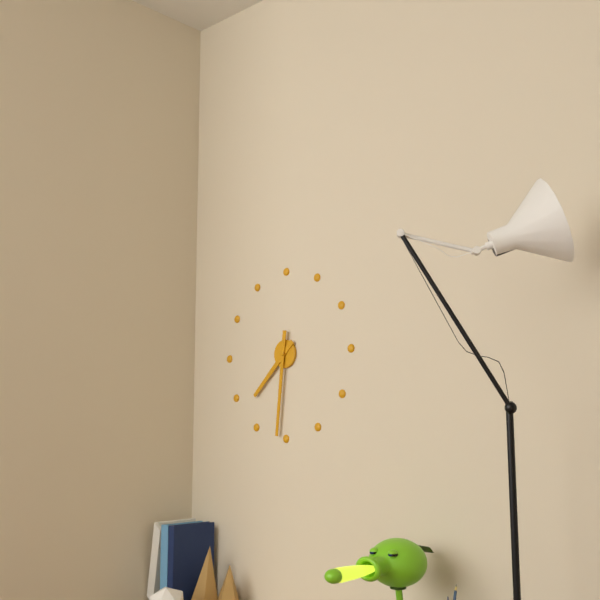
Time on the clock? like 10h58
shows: 7h31
